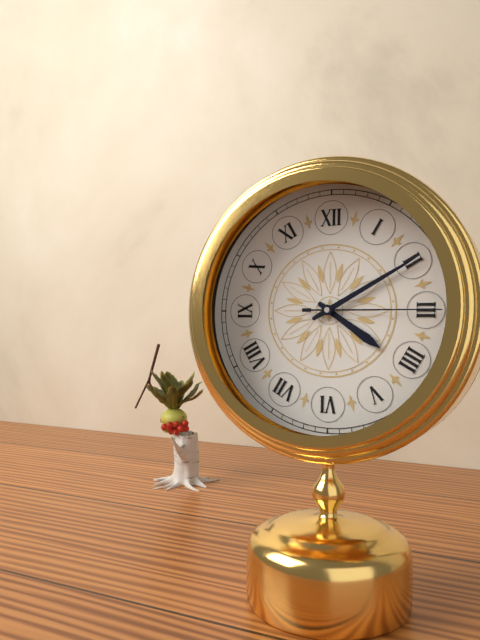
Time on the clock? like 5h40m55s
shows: 4h10m15s
